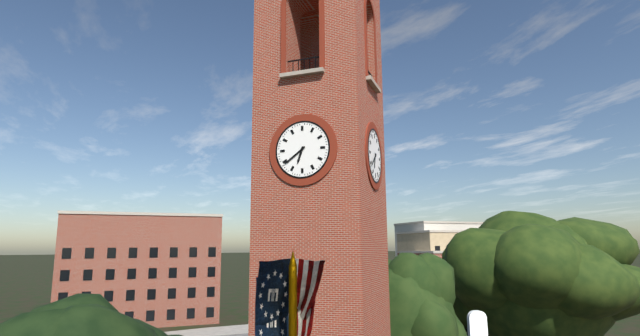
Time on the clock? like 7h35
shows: 6h39
